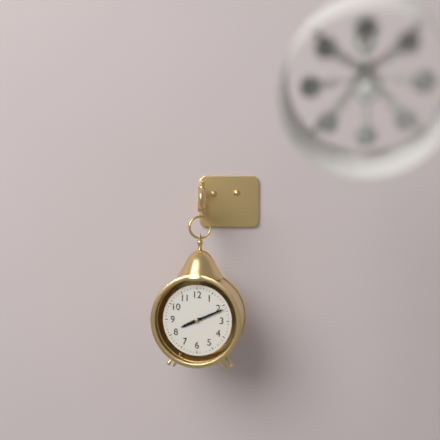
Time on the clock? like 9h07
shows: 8h11
